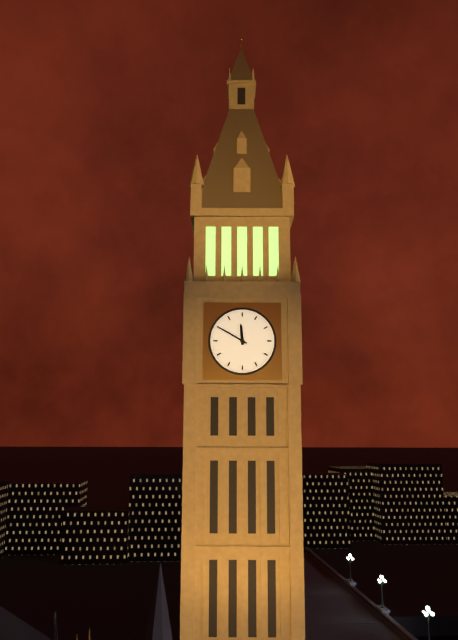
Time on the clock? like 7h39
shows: 11h50
